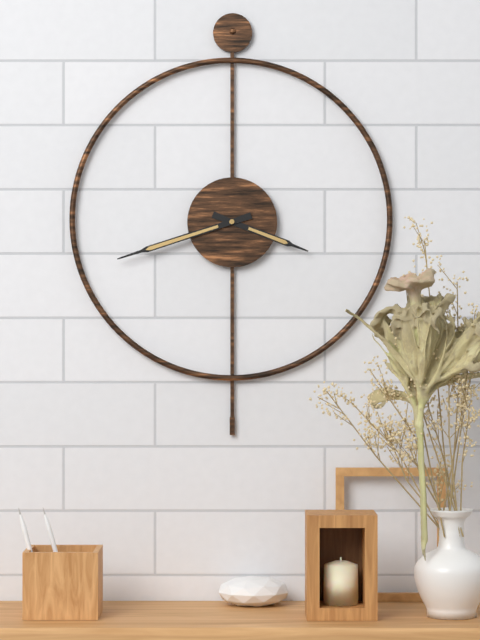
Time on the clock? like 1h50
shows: 3h42
